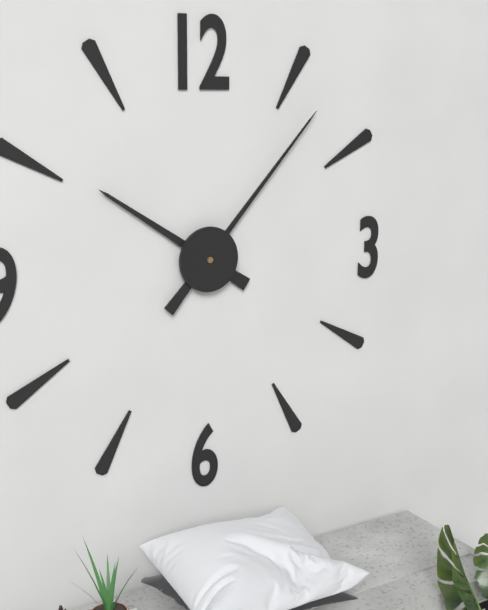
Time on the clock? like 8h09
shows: 10h07
